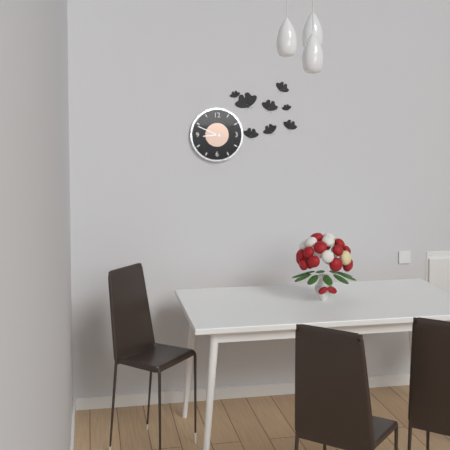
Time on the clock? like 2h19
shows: 8h49
